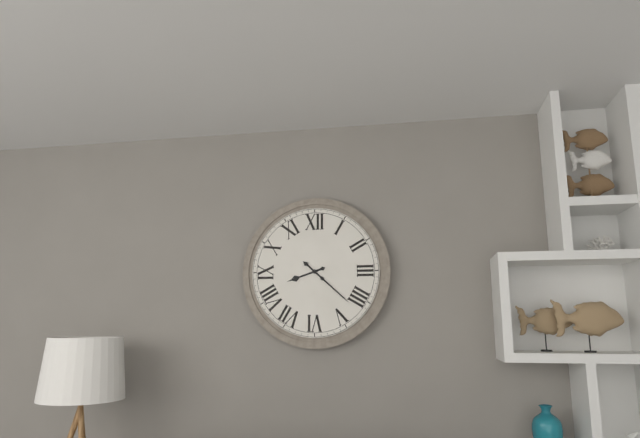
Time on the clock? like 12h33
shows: 8h22
